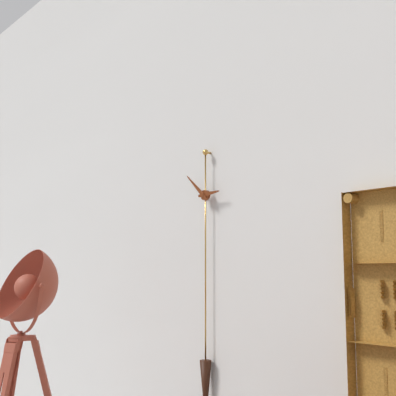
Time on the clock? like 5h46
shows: 2h52
